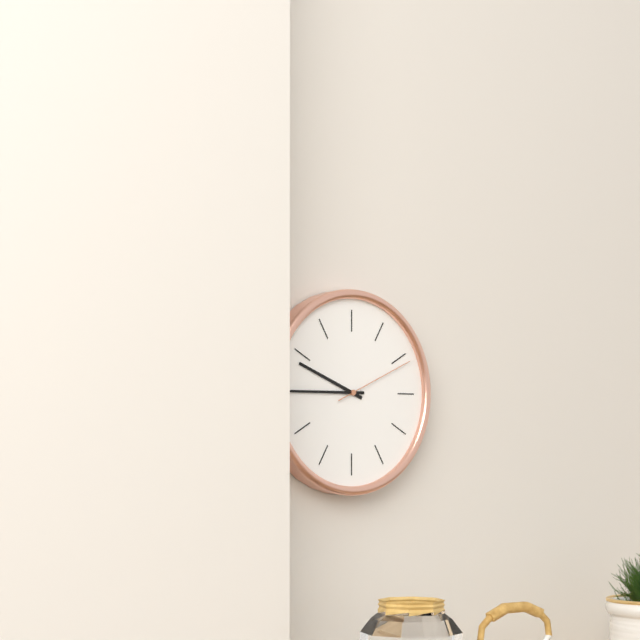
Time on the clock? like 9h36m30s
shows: 9h45m11s
